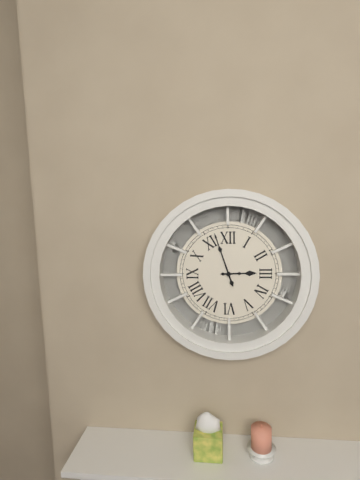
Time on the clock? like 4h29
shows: 2h57
